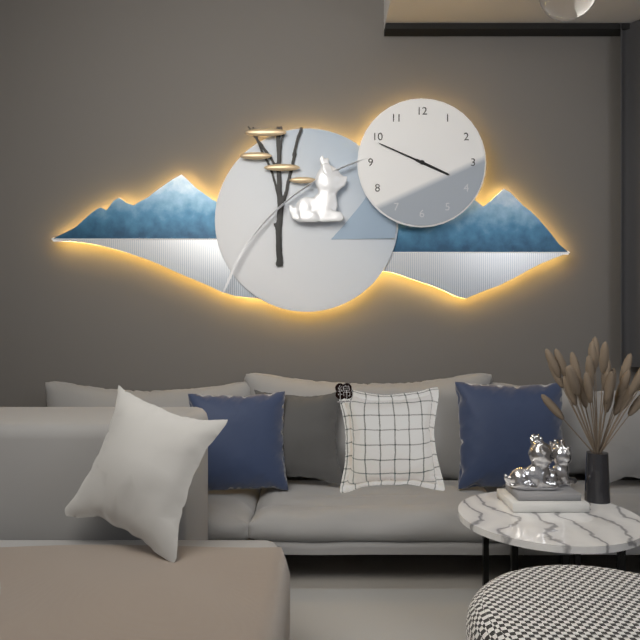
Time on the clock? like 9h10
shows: 3h49
